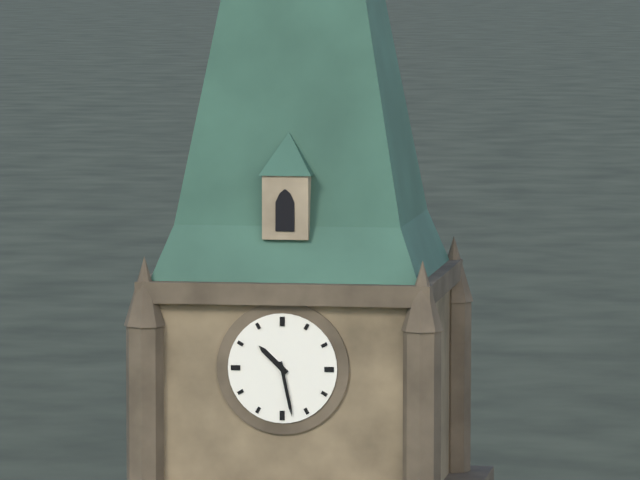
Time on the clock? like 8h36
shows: 10h28
